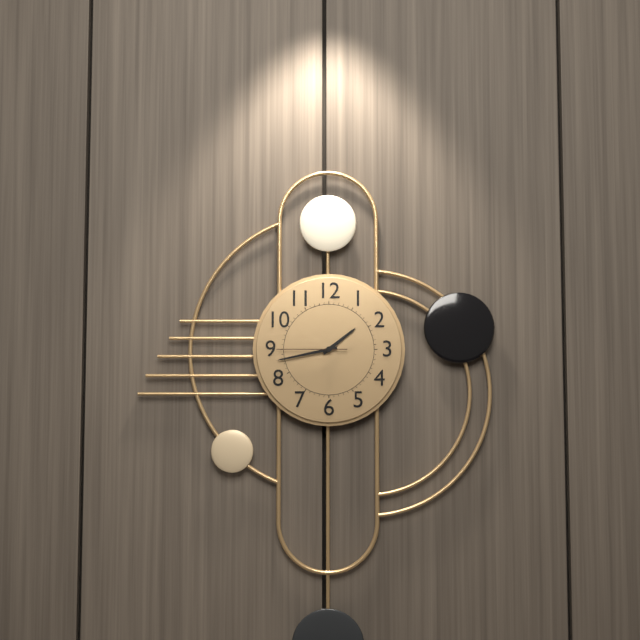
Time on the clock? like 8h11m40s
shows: 1h43m45s
